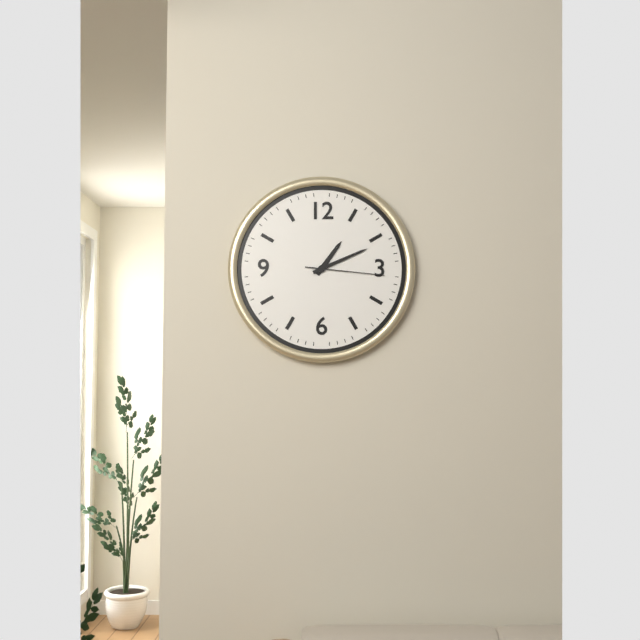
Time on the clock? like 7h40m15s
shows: 1h11m16s
